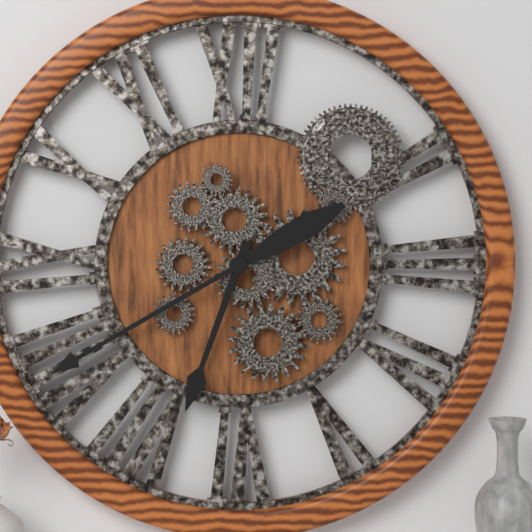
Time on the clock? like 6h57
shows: 6h40
